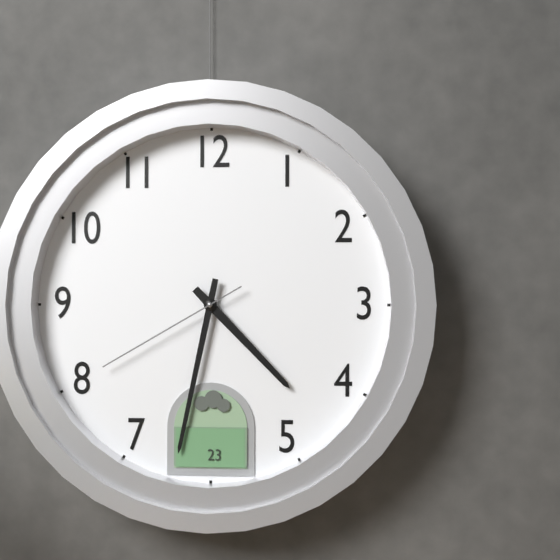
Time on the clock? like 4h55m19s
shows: 4h32m40s
